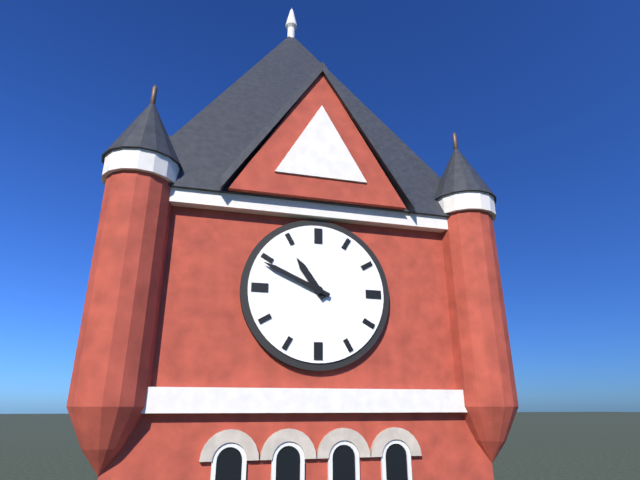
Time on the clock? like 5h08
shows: 10h49
